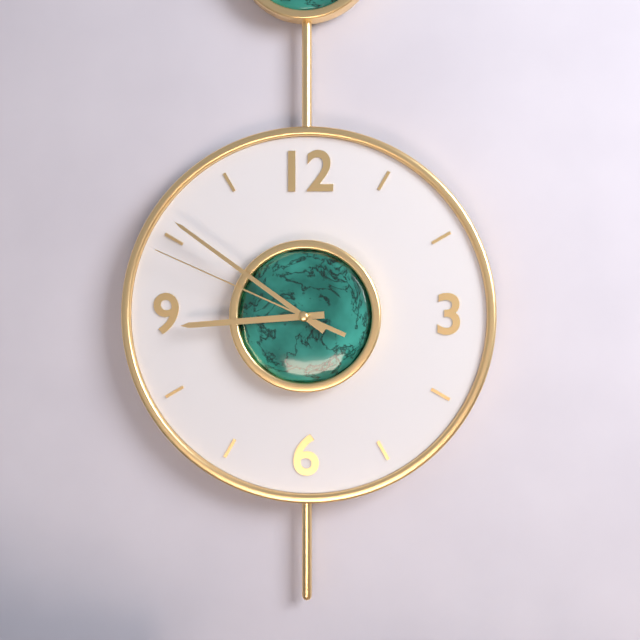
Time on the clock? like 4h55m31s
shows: 8h51m49s
